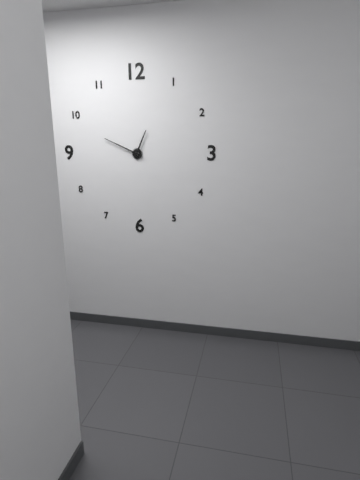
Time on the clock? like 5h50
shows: 12h49
